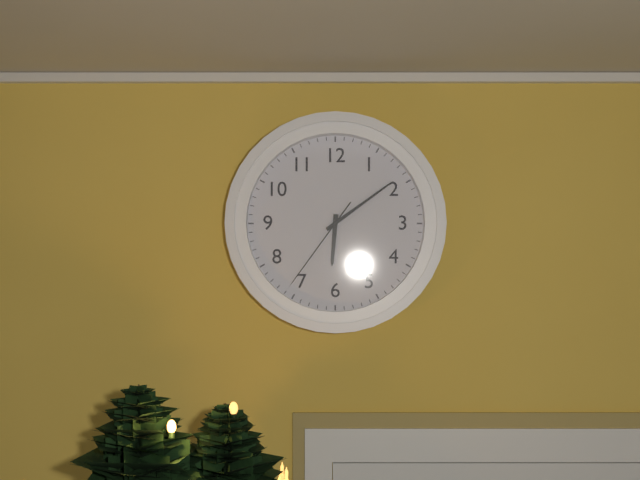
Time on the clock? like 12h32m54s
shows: 6h09m36s
